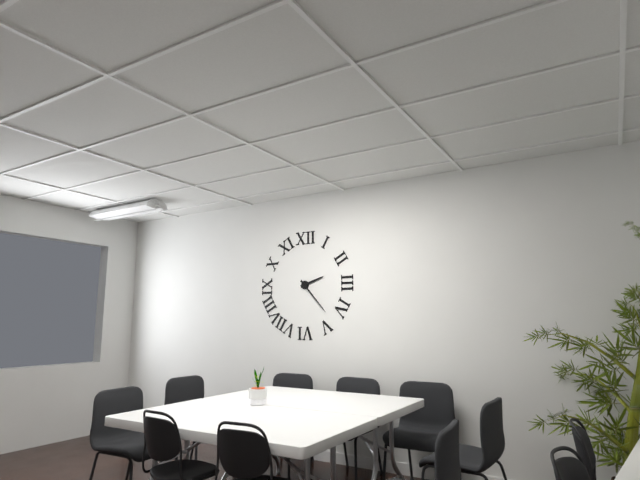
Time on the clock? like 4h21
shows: 2h23
